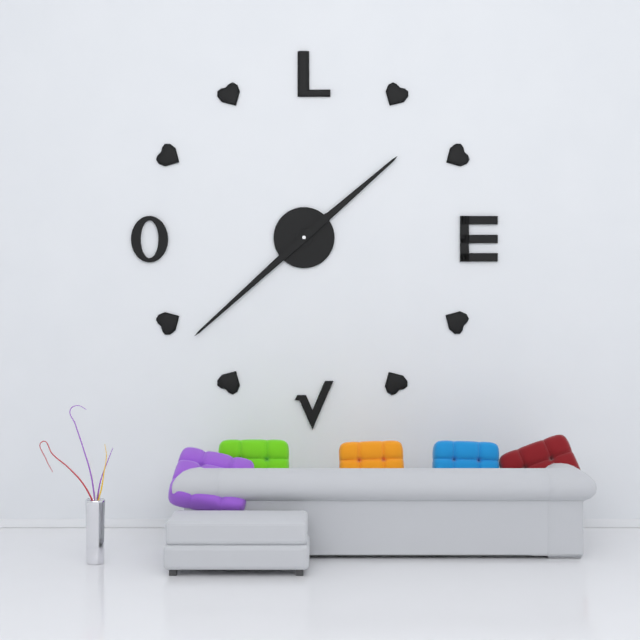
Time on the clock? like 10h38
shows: 1h38
